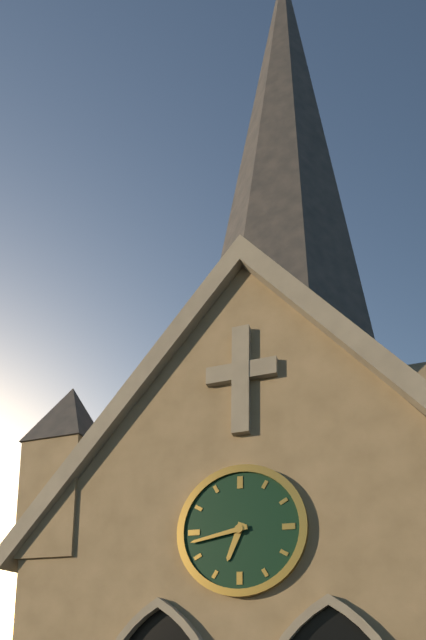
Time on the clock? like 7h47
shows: 6h43
